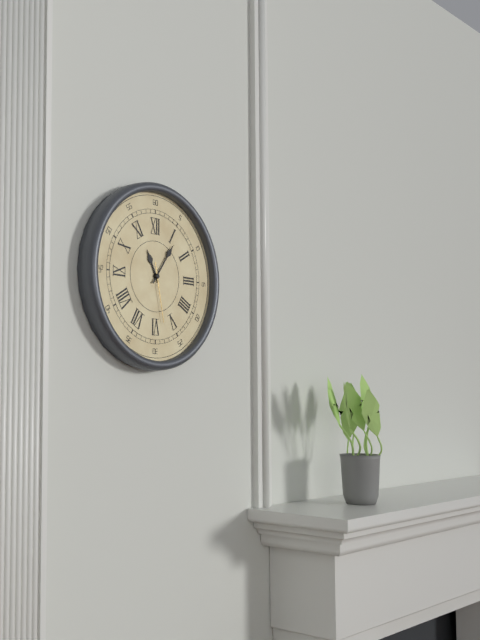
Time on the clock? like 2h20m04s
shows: 11h06m28s
